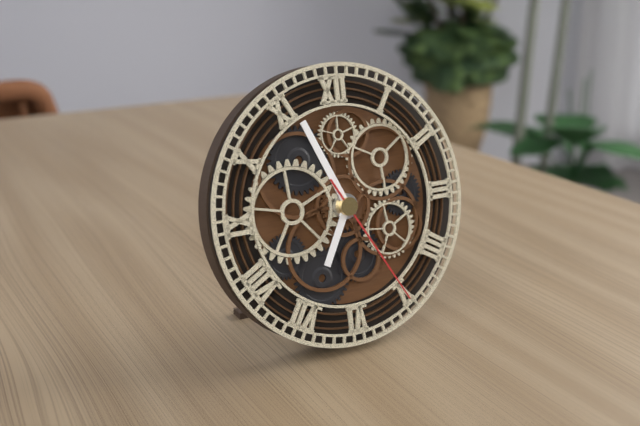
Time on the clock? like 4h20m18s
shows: 6h56m25s
